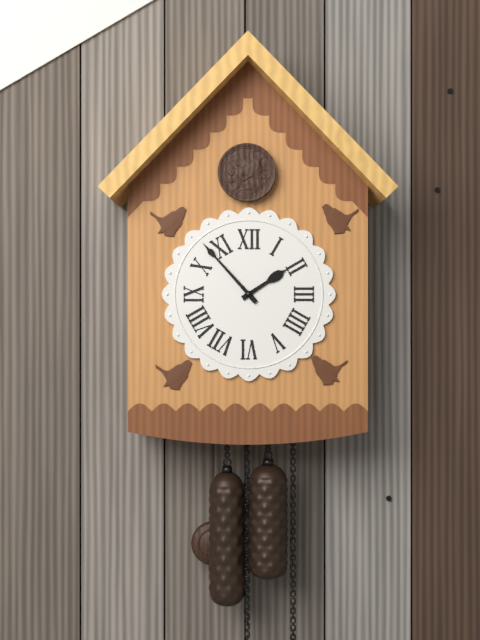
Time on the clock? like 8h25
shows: 1h53
